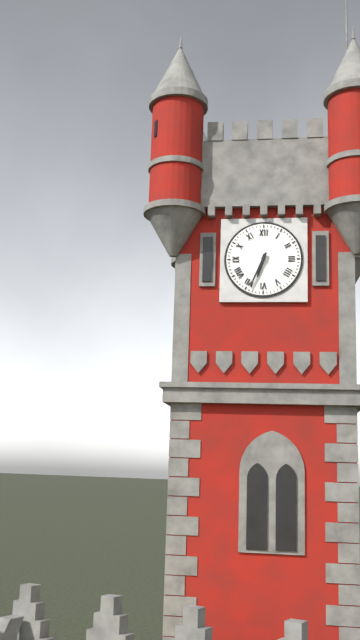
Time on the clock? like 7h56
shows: 6h34
